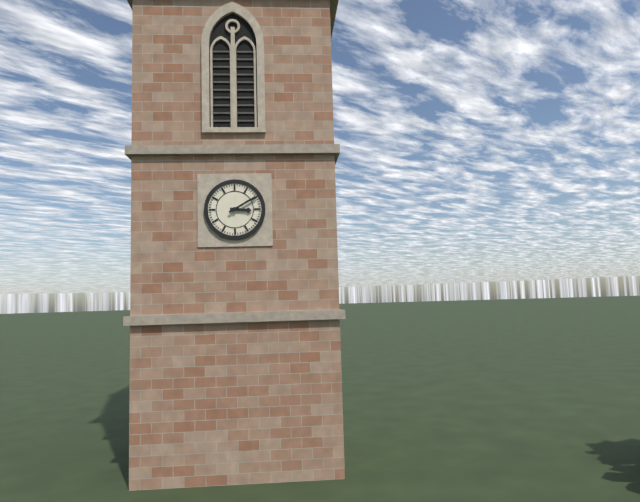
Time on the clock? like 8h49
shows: 3h10
